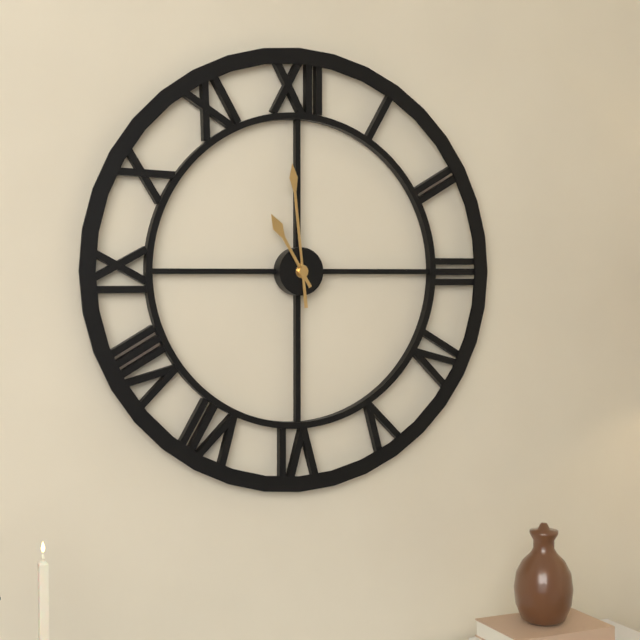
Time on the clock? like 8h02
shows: 10h59
